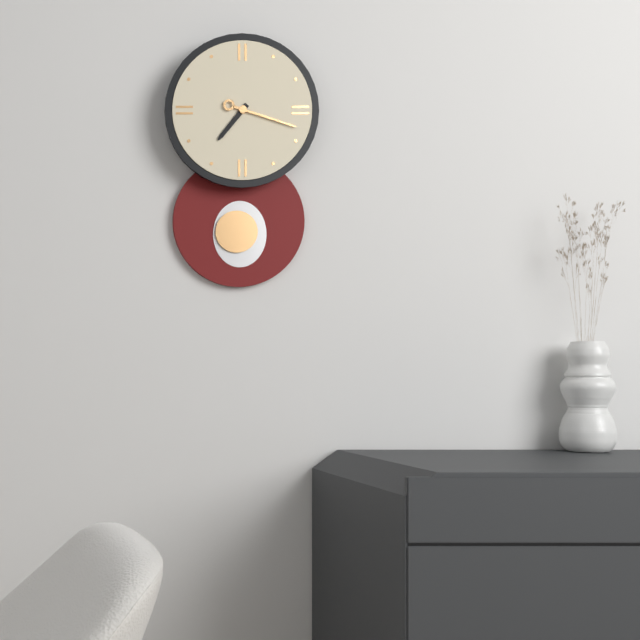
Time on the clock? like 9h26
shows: 7h18
